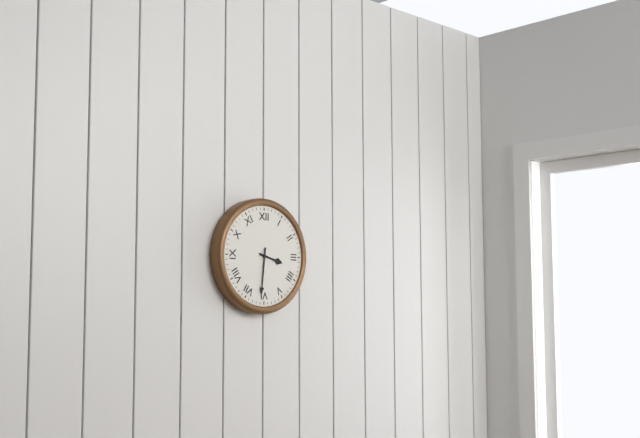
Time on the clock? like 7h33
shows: 3h31
